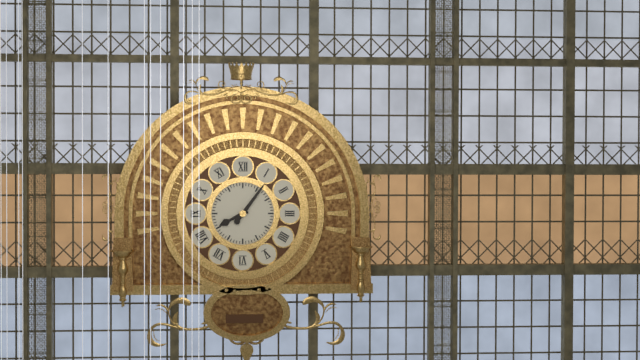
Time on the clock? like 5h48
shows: 8h06
